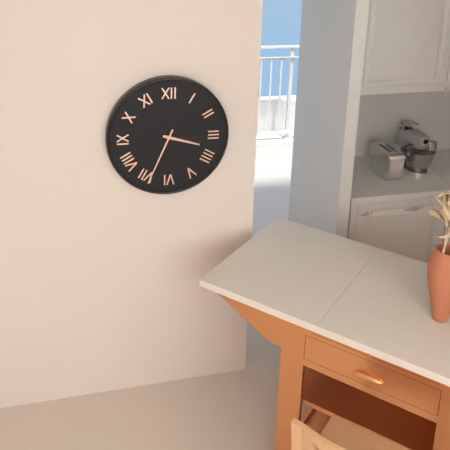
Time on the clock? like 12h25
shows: 3h34
